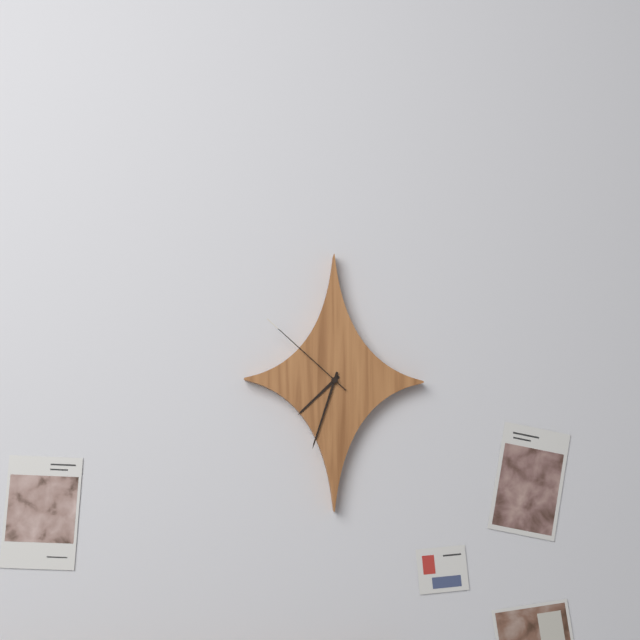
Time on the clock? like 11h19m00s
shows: 7h33m52s
